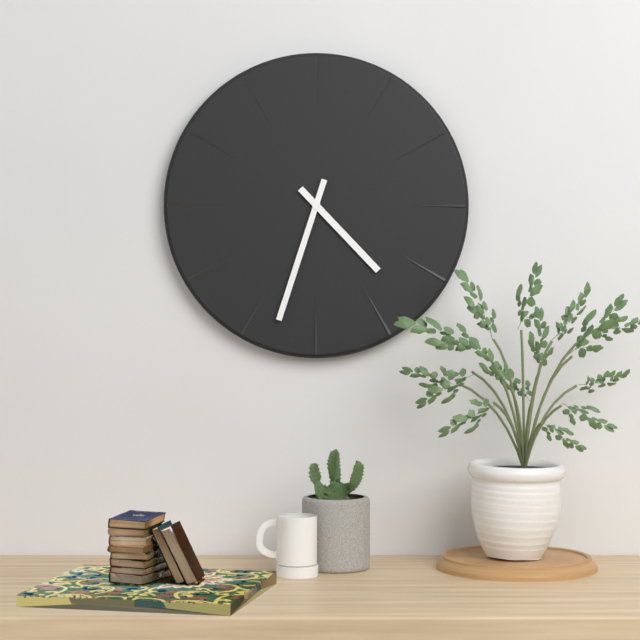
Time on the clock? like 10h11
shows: 4h33
